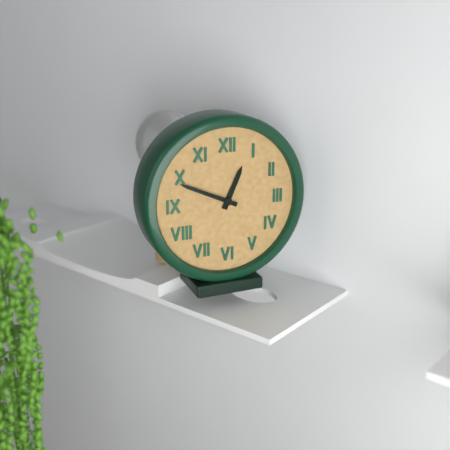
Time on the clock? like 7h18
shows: 12h49
